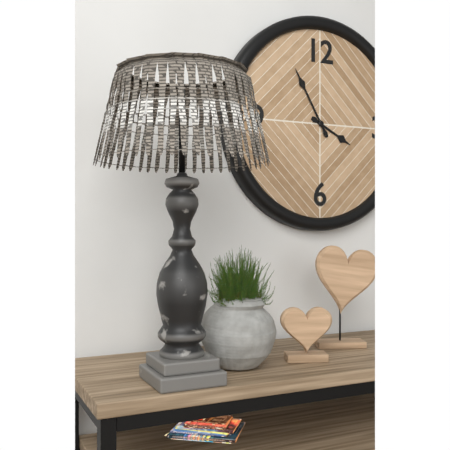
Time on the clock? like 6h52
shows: 3h55
